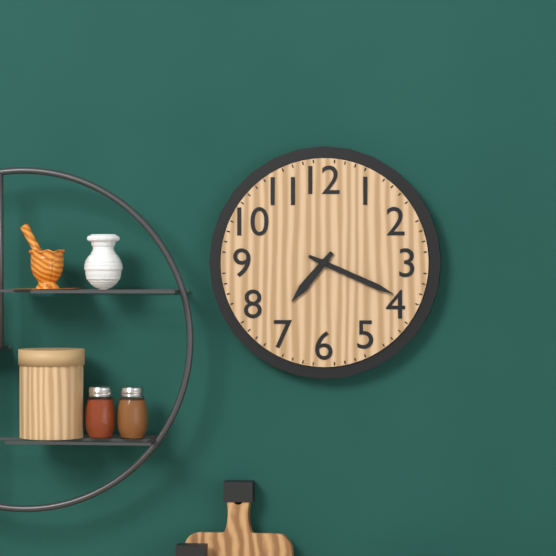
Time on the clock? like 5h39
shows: 7h19
